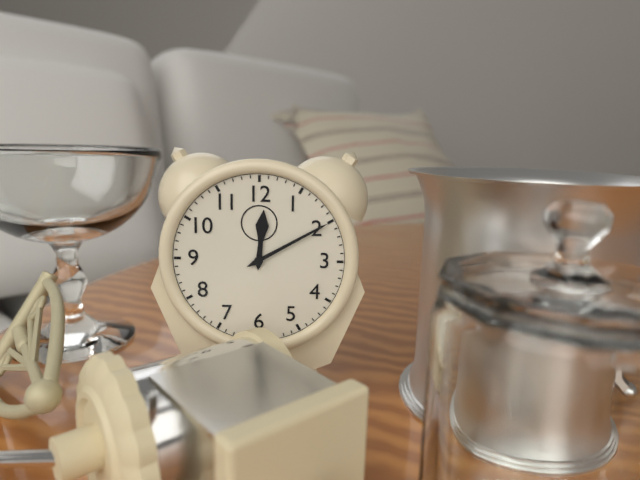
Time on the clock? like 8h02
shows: 12h10
